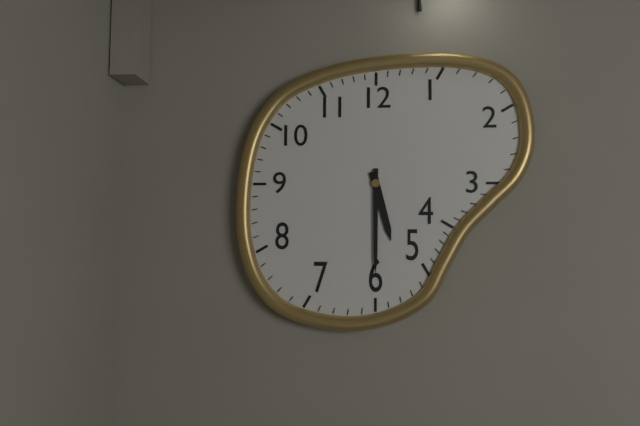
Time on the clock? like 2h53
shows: 5h30
